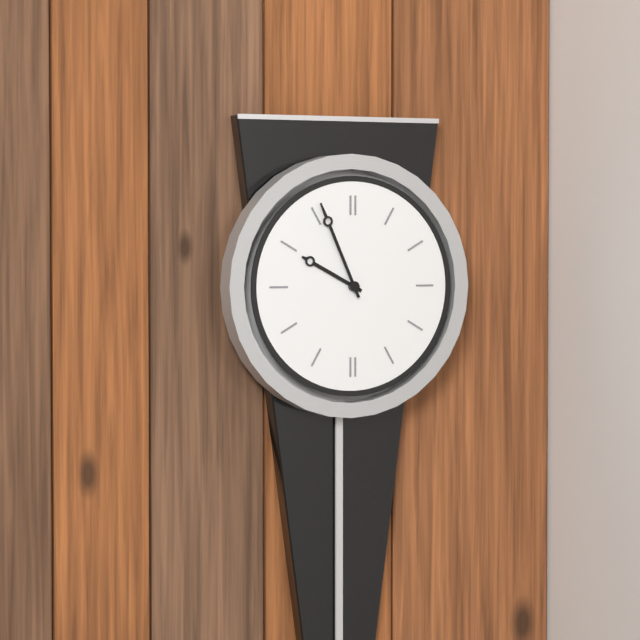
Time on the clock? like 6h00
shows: 9h56
